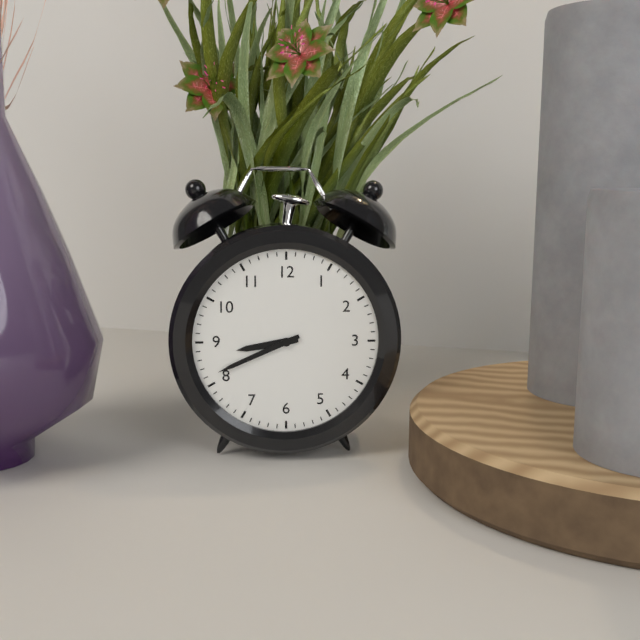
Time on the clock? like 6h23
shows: 8h41
